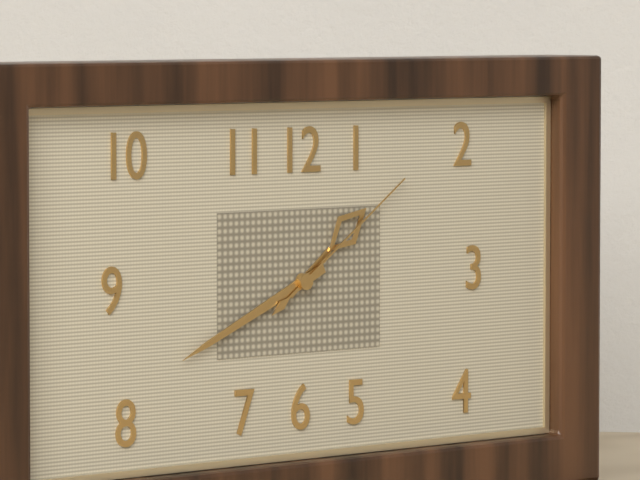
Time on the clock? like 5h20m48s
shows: 1h41m09s
